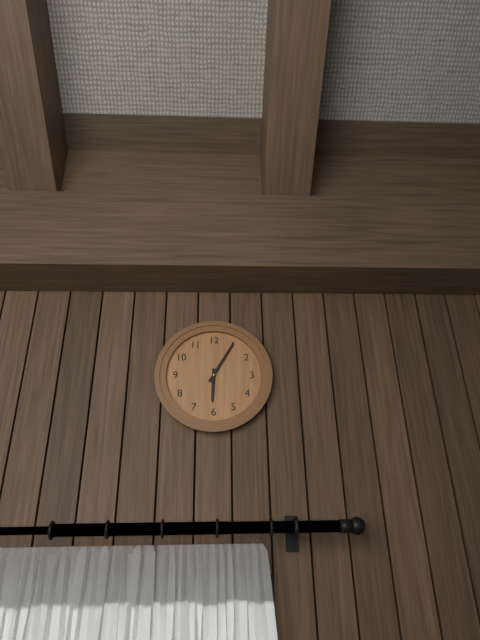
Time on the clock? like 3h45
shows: 6h05
